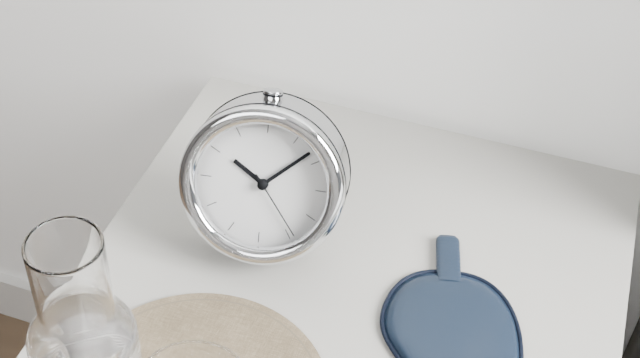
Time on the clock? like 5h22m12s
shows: 10h08m24s
